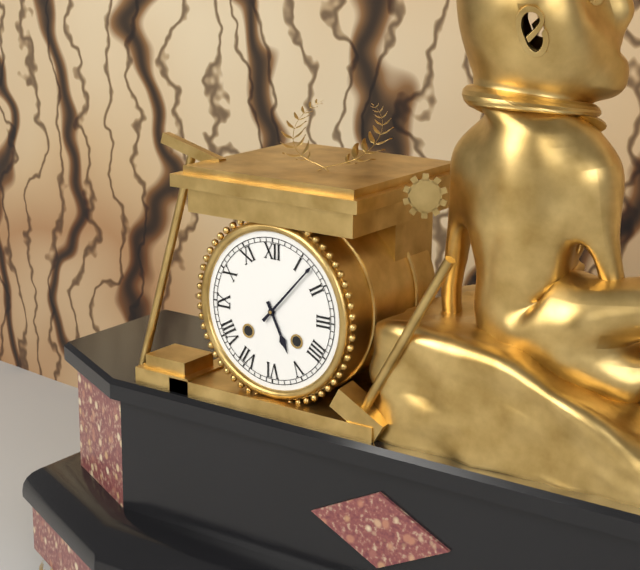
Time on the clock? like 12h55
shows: 5h07
